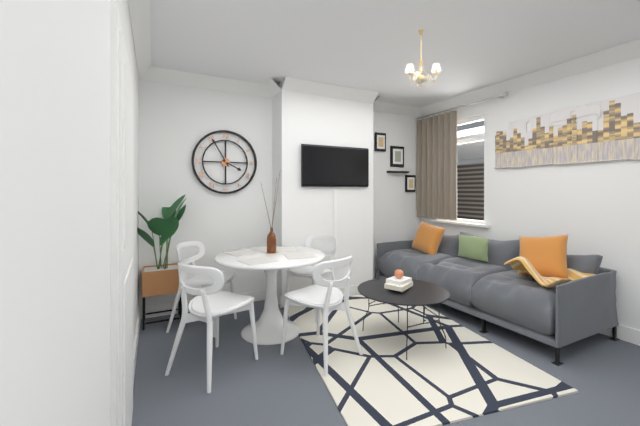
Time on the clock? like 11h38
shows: 3h55
